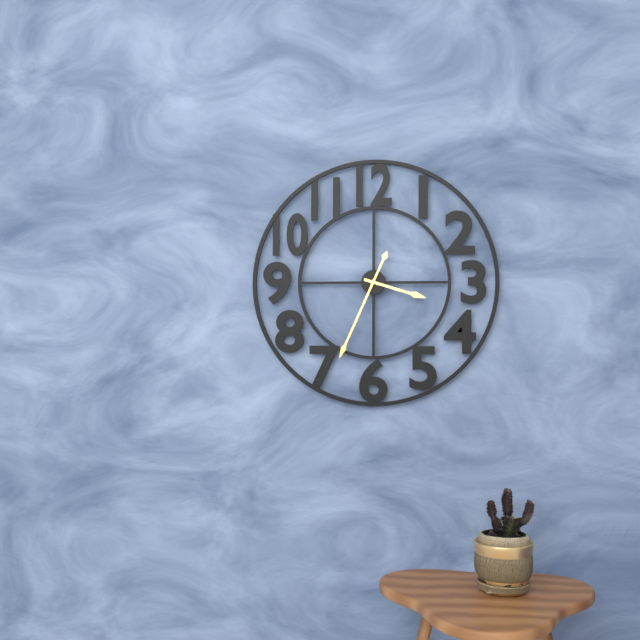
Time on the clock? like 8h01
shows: 3h34
